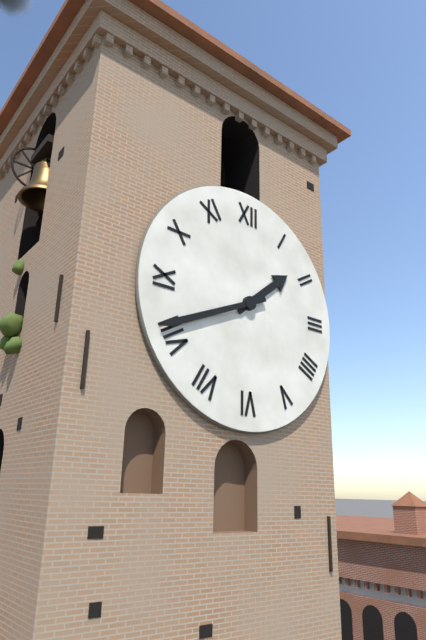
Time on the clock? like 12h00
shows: 1h41
